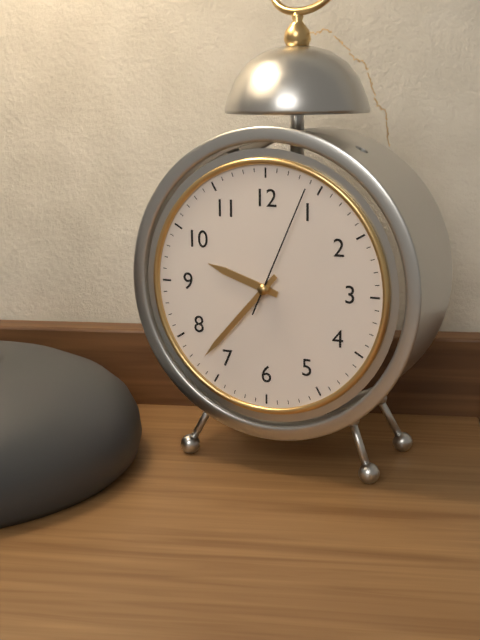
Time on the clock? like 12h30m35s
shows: 9h37m04s
